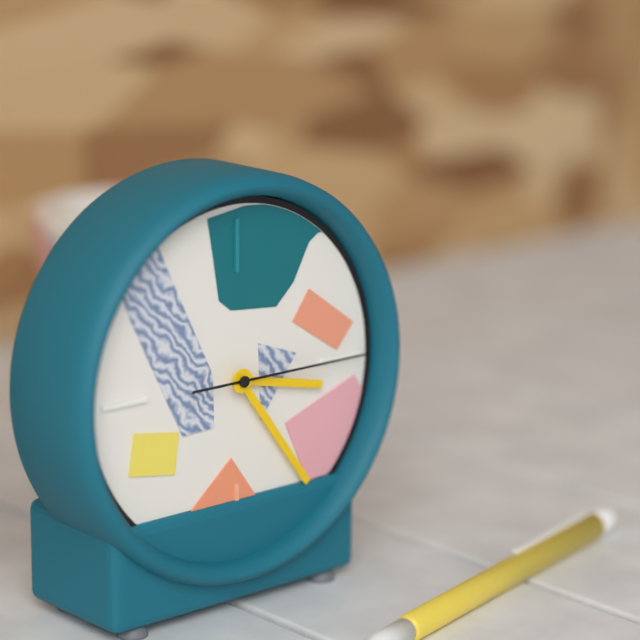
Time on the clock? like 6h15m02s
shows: 3h24m15s
